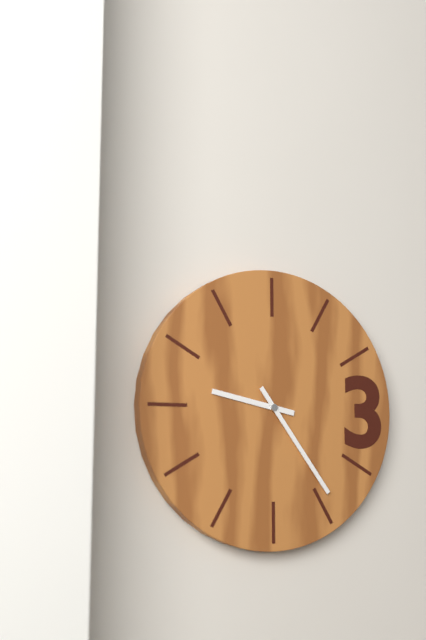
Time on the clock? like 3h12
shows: 9h24
